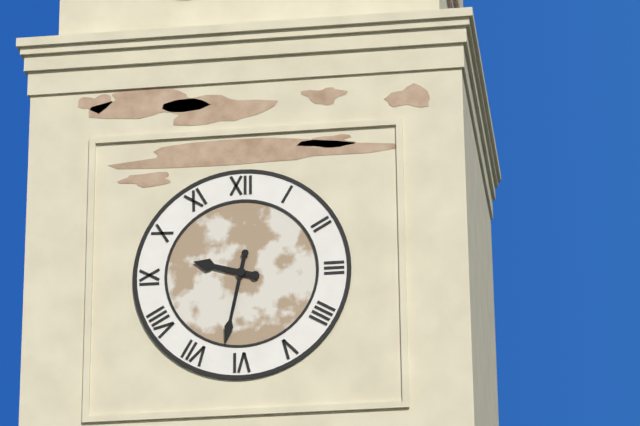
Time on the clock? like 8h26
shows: 9h32
